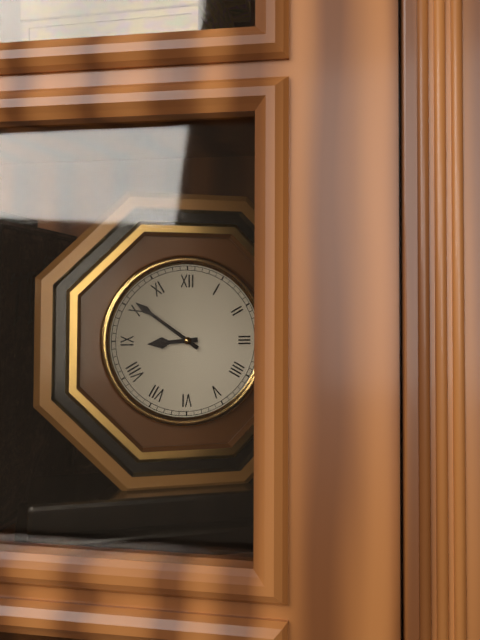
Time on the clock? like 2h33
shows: 8h51
